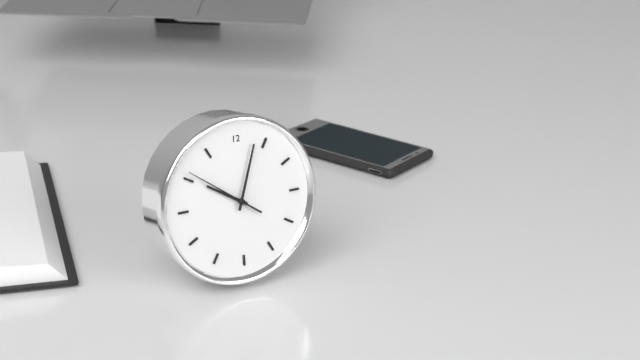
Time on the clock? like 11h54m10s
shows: 10h03m51s
